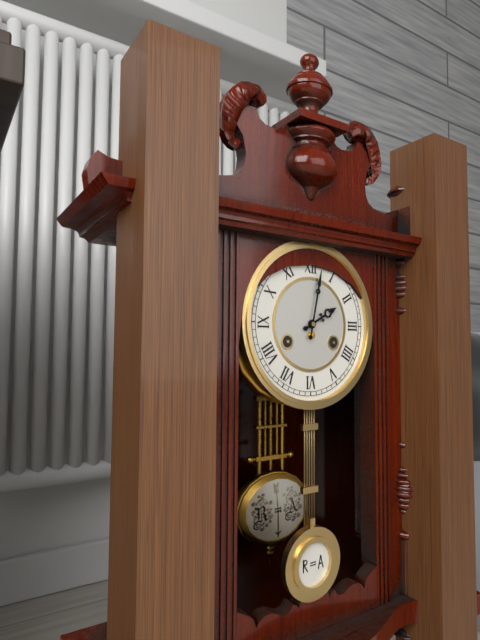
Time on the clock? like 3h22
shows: 2h02
